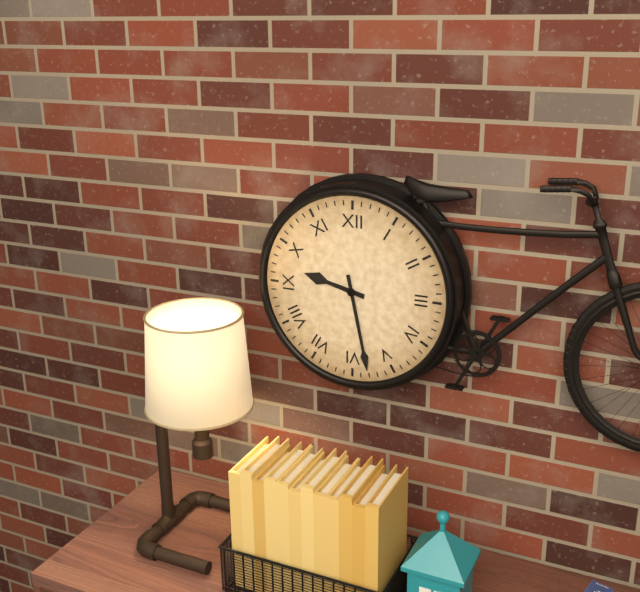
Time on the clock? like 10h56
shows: 9h28
